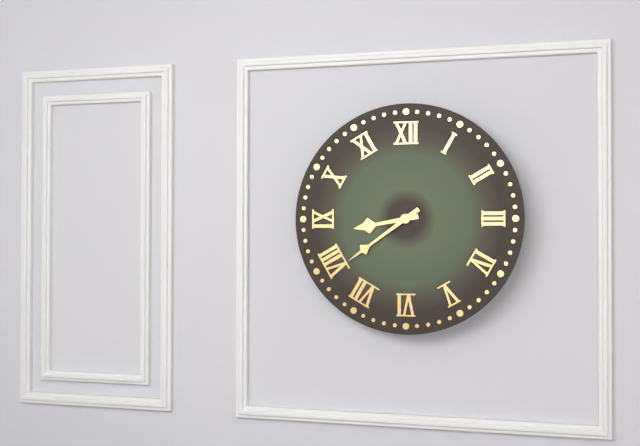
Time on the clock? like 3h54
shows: 8h39
